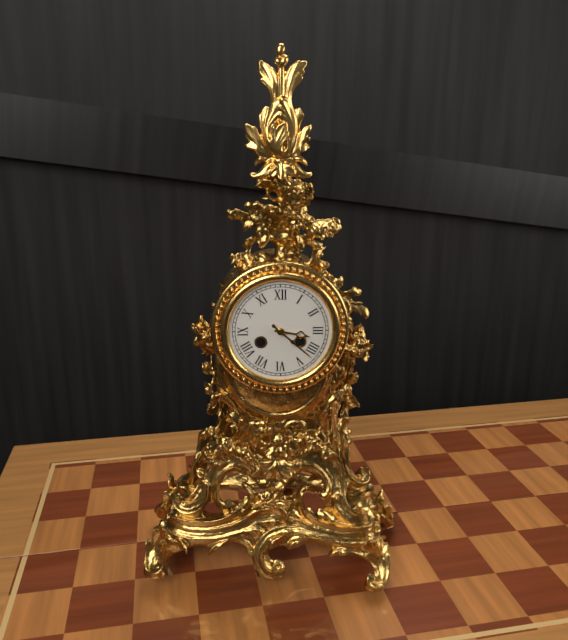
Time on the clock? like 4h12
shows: 3h22
